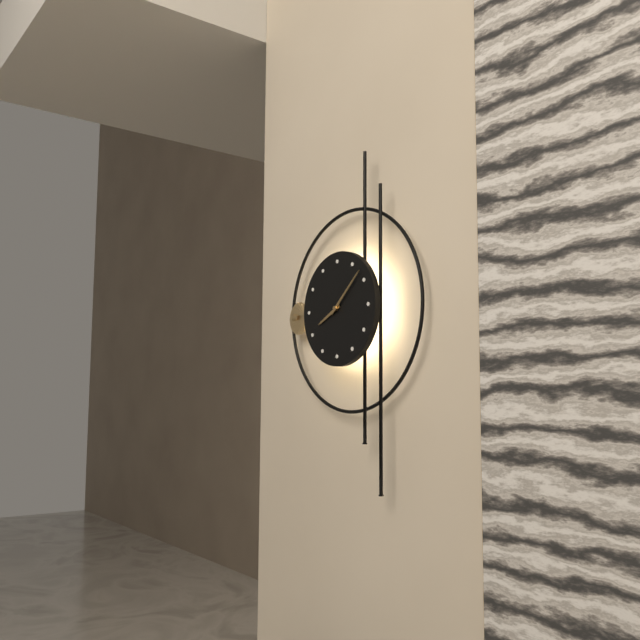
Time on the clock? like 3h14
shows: 8h08
